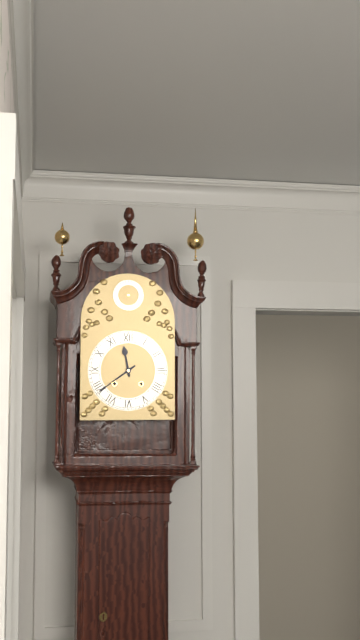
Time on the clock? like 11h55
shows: 11h39
